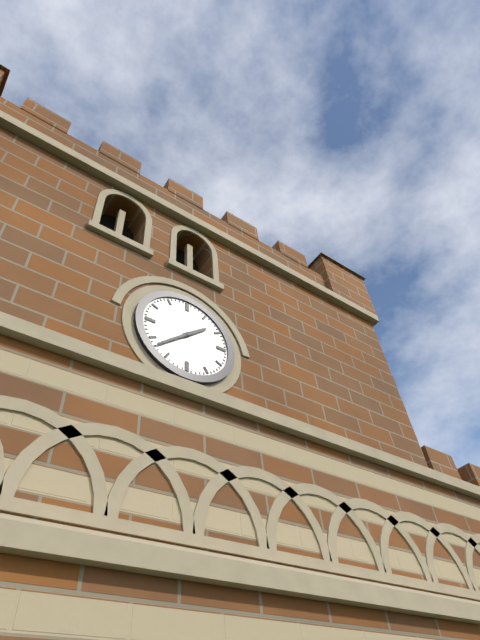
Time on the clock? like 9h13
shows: 1h38
